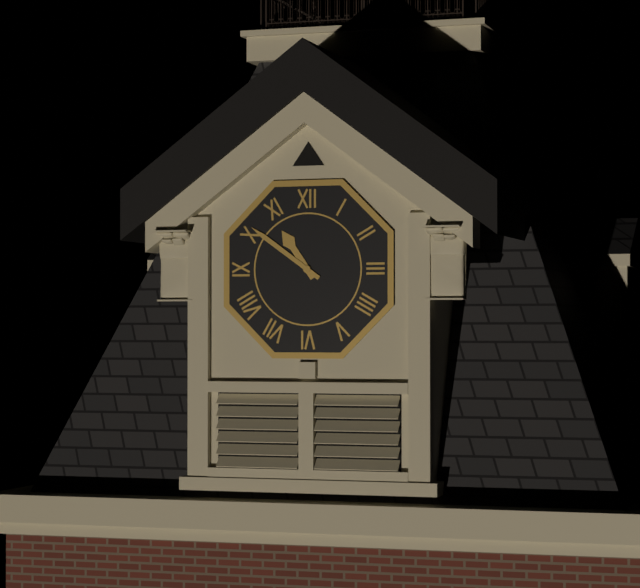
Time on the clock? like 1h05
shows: 10h51
